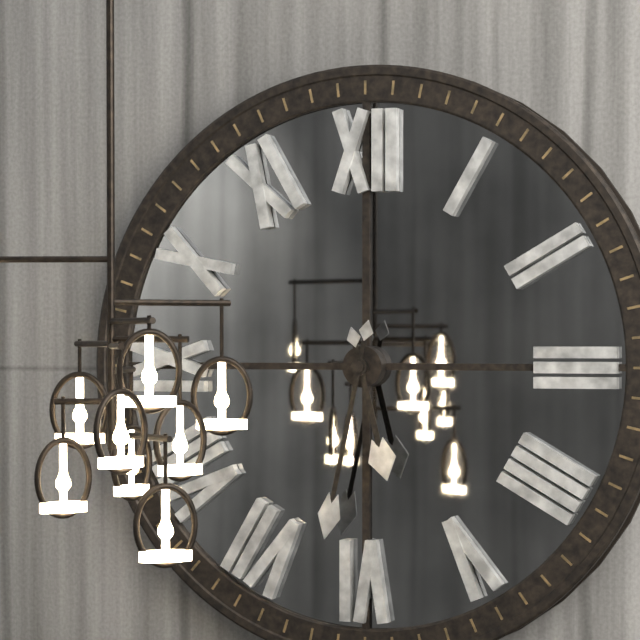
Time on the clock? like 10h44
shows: 5h32
